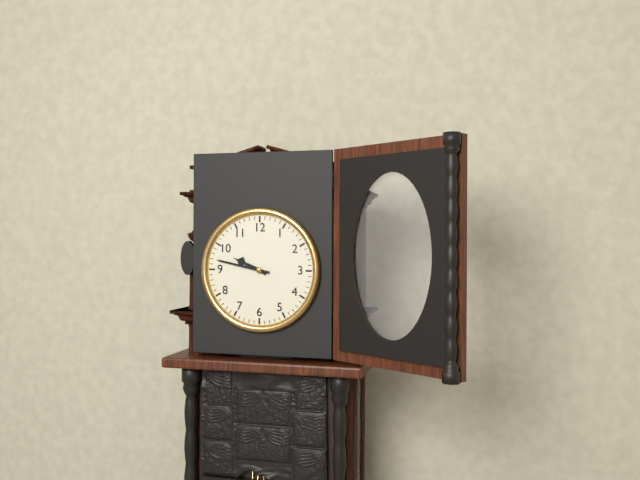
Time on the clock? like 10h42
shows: 9h47
